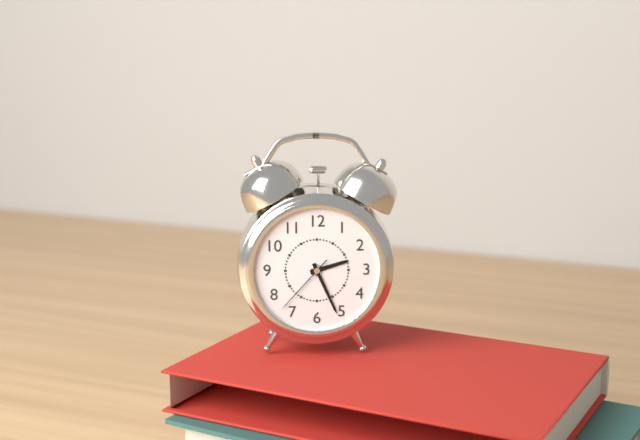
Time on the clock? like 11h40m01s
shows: 2h26m37s
